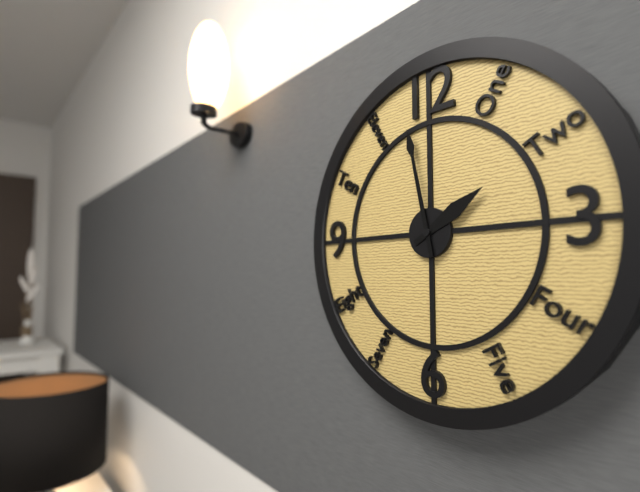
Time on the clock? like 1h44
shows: 1h58
